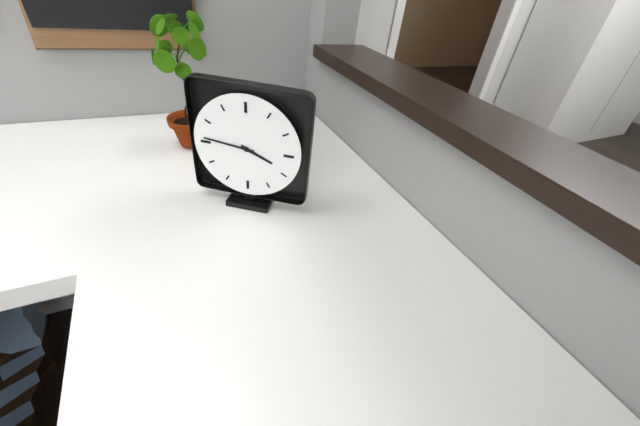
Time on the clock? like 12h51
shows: 3h46
